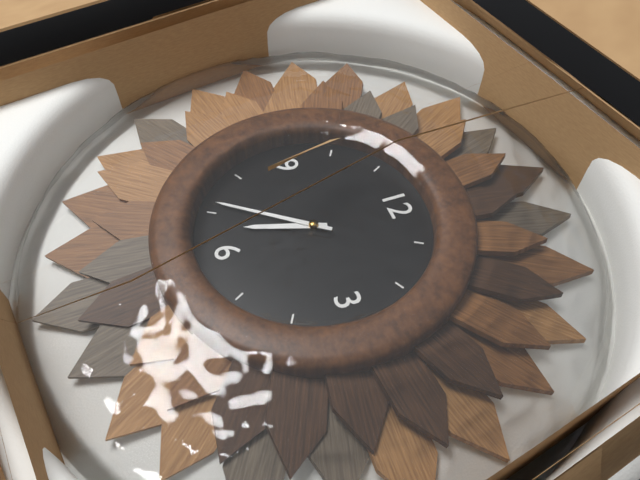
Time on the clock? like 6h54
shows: 6h36
